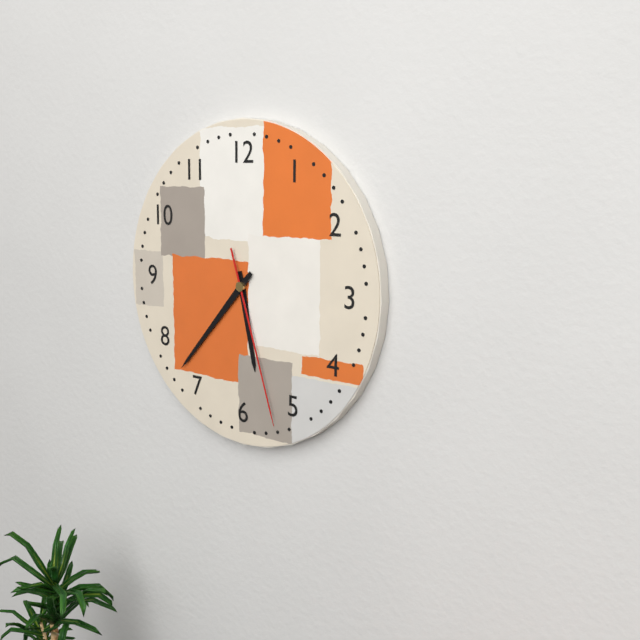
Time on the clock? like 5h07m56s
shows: 5h37m27s
